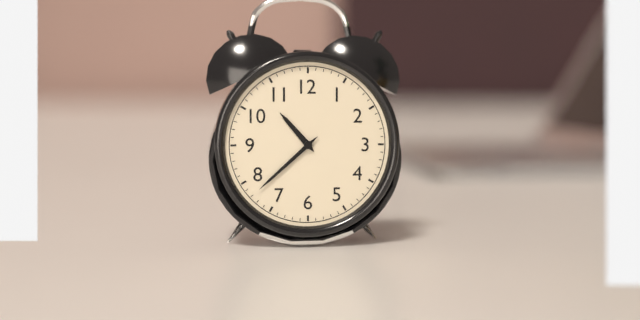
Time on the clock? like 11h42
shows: 10h38
